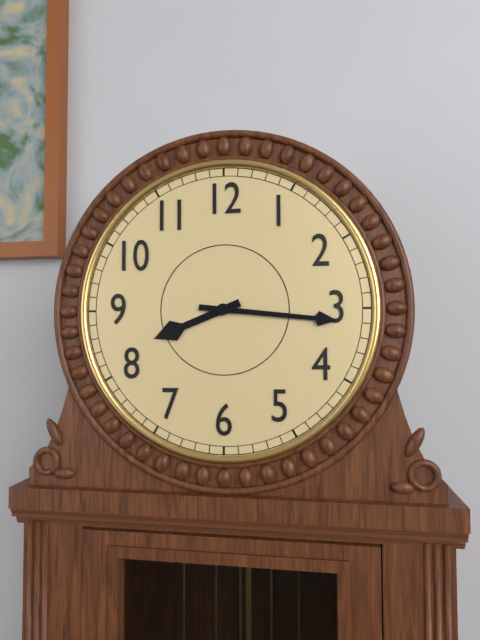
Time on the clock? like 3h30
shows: 8h16
